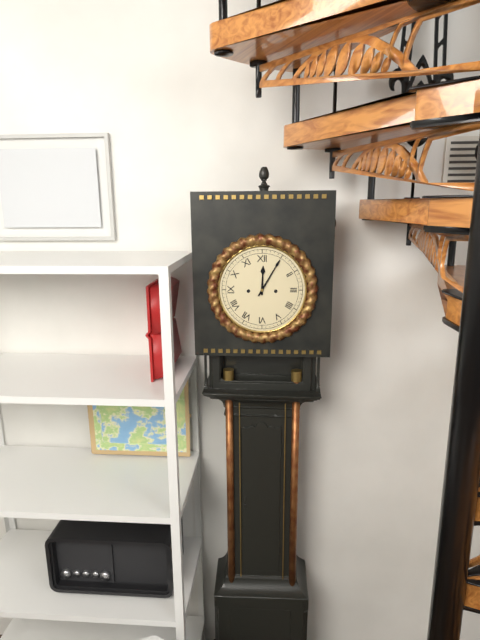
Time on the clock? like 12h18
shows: 12h05
